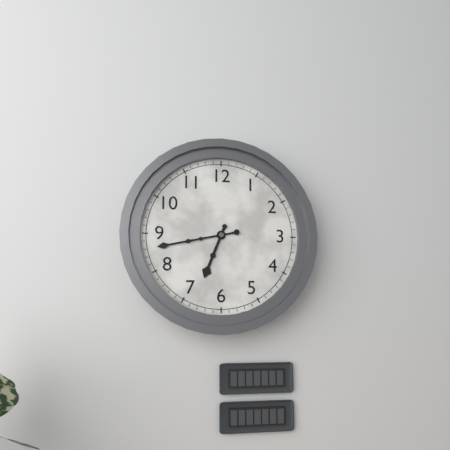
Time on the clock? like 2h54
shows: 6h43
